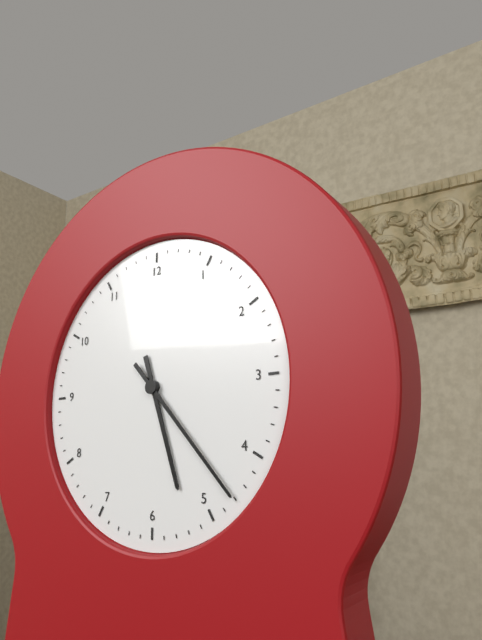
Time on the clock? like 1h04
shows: 5h23
